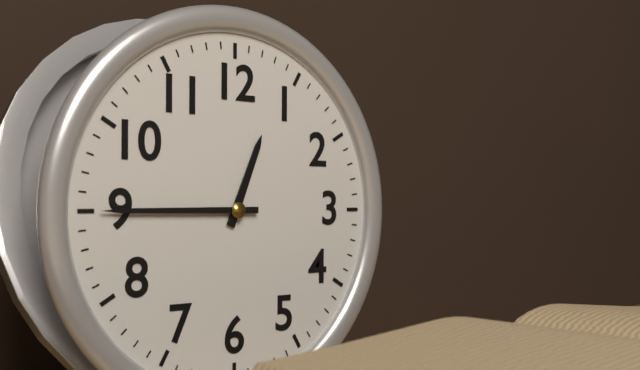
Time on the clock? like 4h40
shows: 12h45
